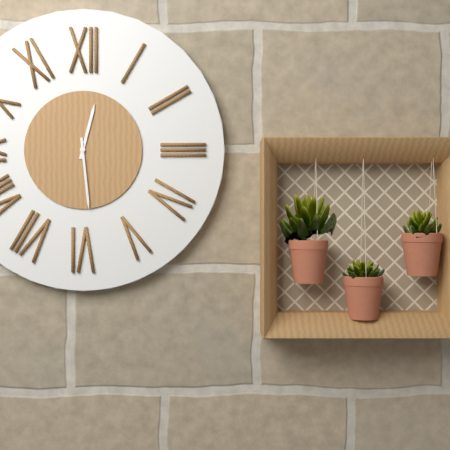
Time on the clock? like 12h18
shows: 12h29
